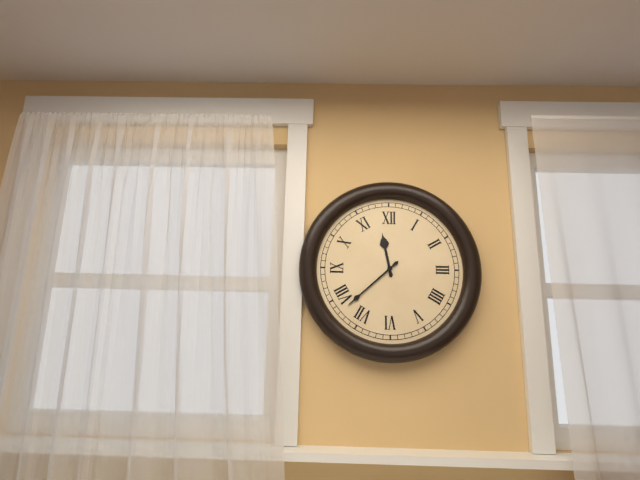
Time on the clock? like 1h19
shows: 11h38
